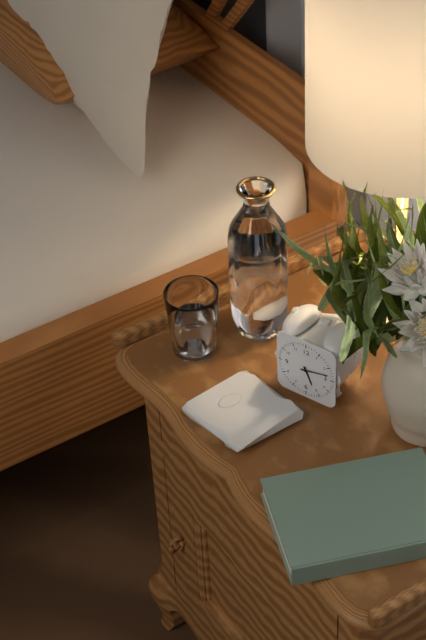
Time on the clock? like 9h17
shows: 5h13
